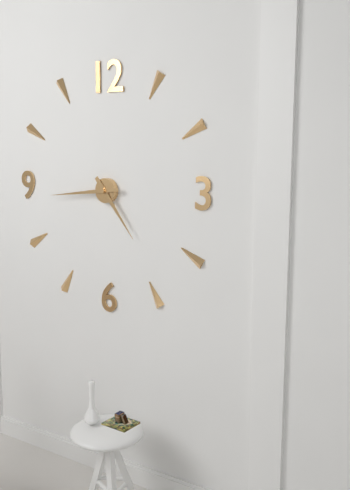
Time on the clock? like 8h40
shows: 4h44
